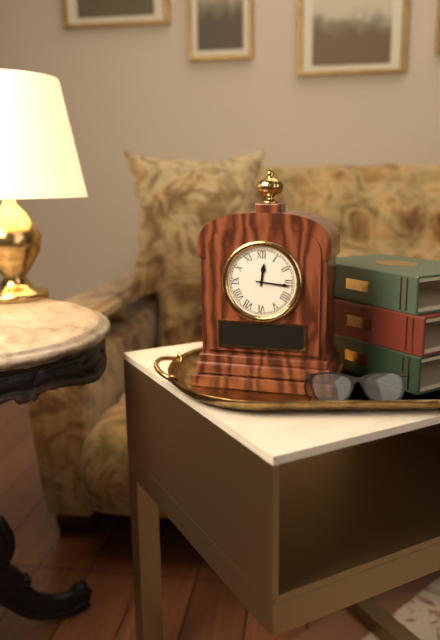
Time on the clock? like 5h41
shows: 12h16
